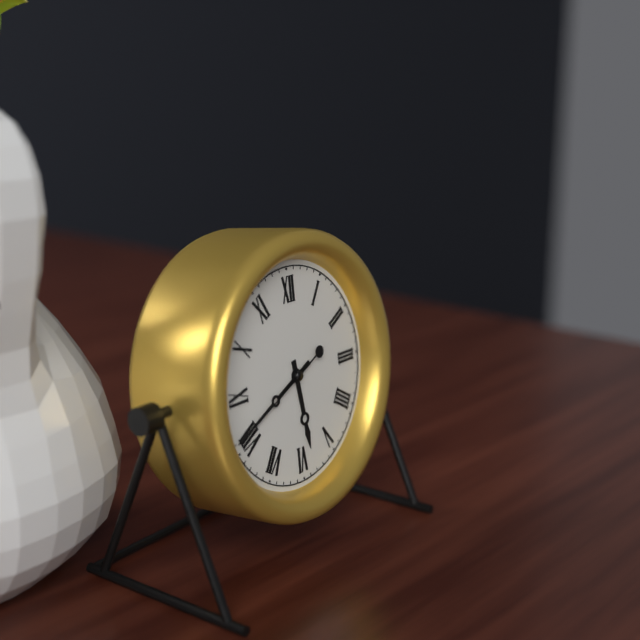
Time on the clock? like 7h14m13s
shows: 5h41m41s
